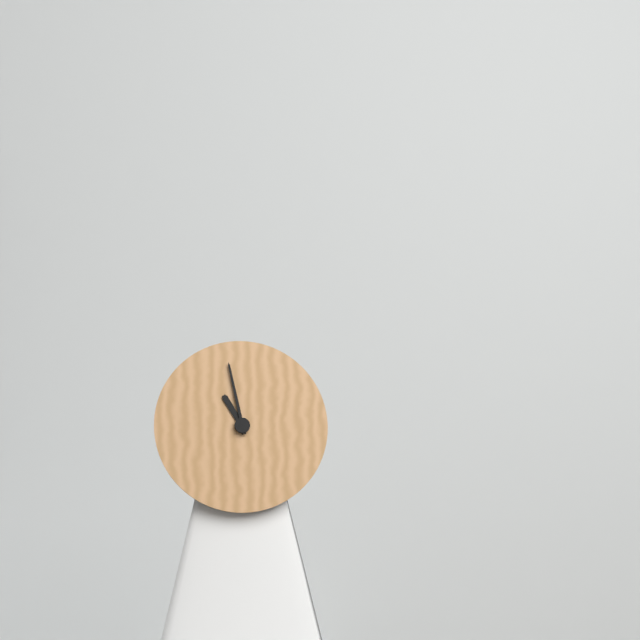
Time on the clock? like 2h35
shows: 10h58
